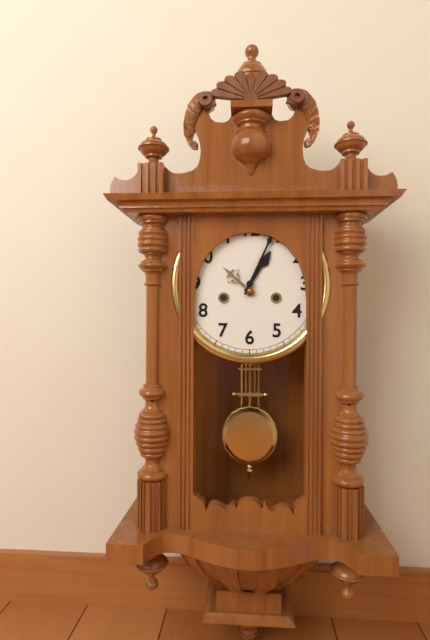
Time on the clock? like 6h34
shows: 1h04
